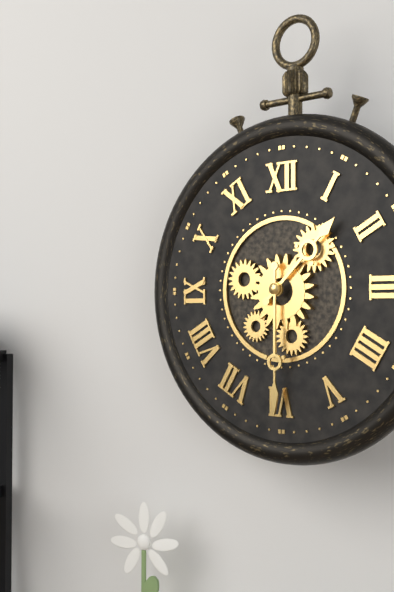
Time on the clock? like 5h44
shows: 1h30
